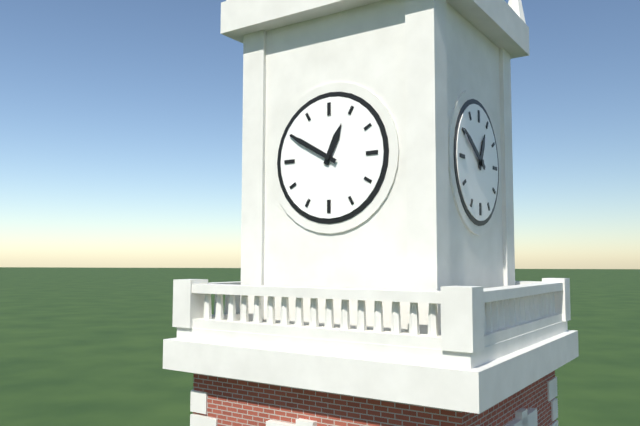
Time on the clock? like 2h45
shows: 12h50
